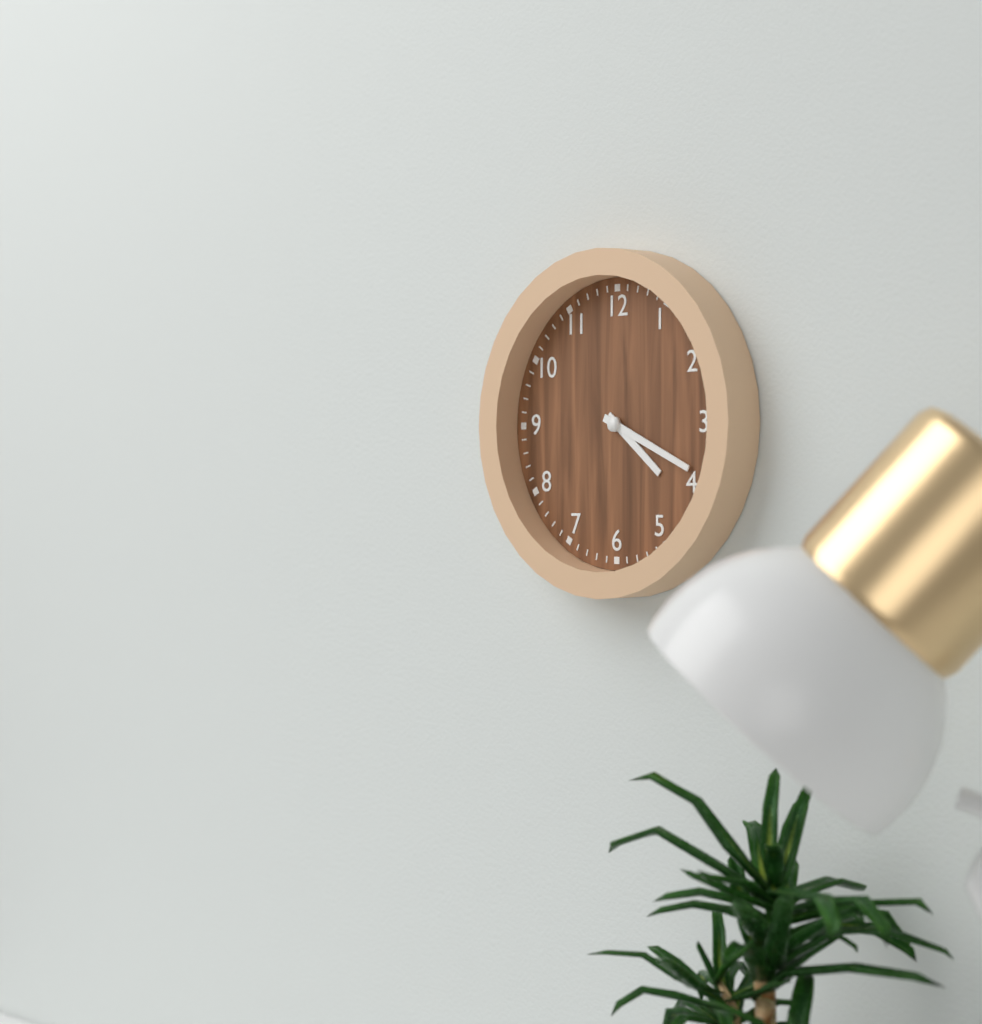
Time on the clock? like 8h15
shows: 4h19
